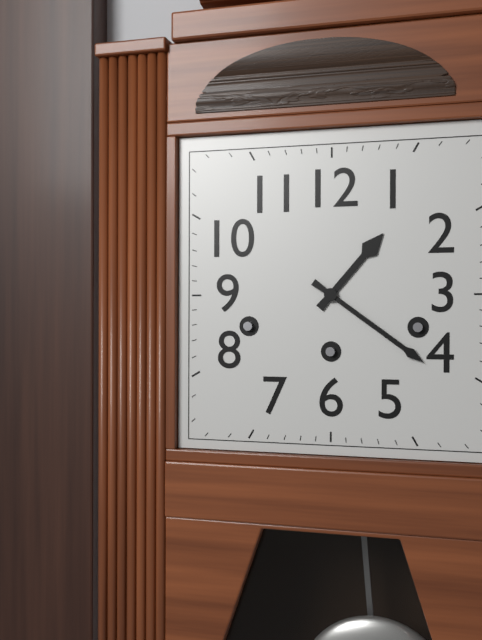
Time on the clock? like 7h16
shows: 1h21
